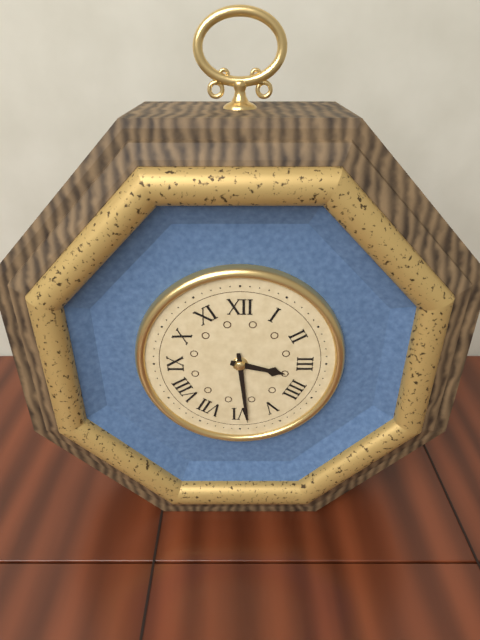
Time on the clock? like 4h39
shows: 3h29
